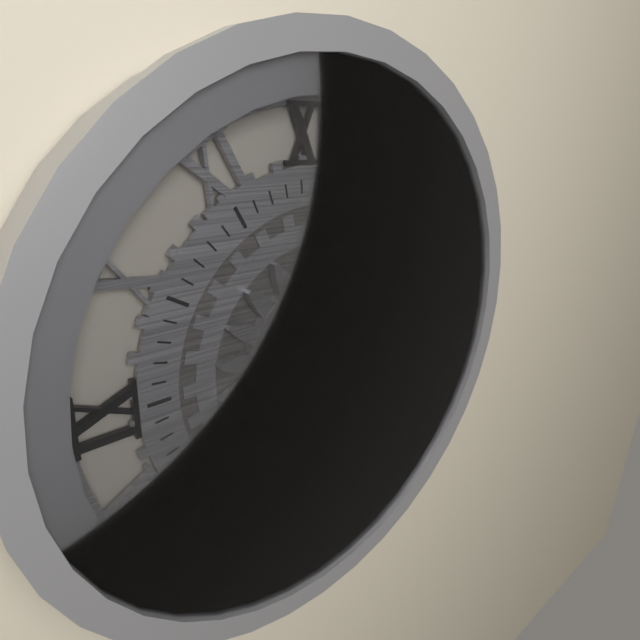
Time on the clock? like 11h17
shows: 7h26
